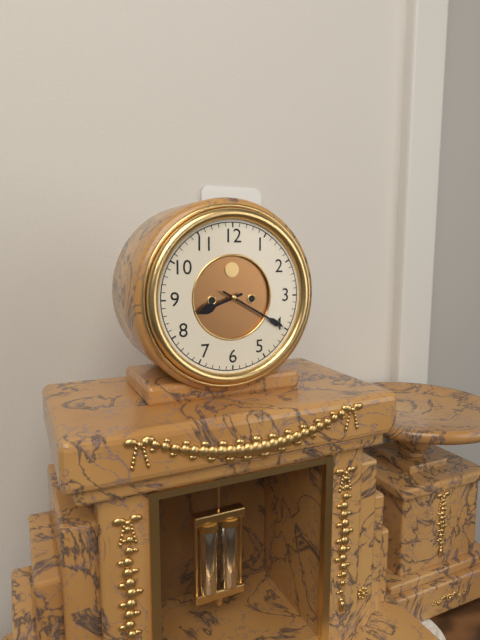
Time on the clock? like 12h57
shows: 8h20
